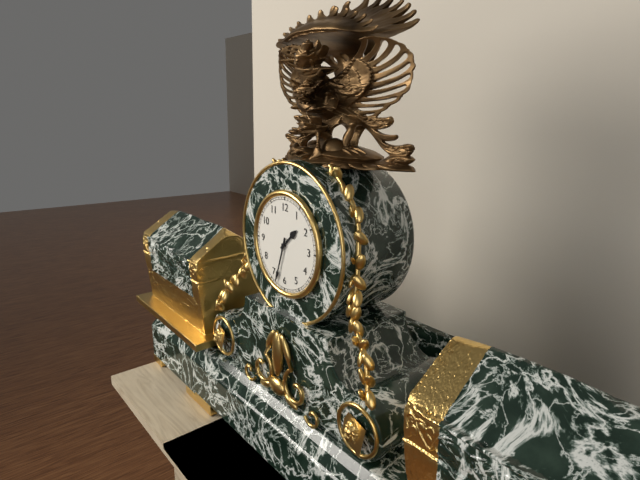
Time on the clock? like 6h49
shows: 1h33
